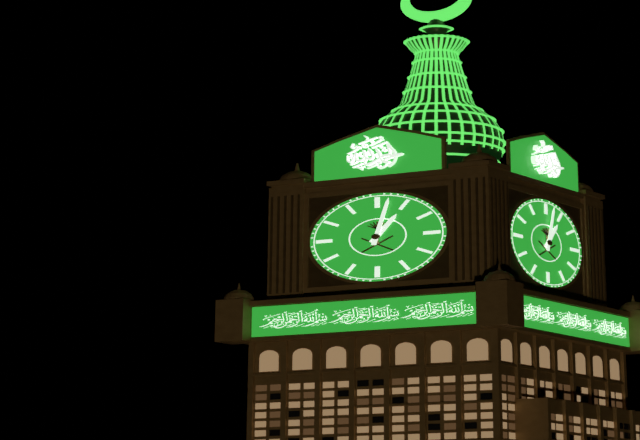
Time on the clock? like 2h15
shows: 1h02
